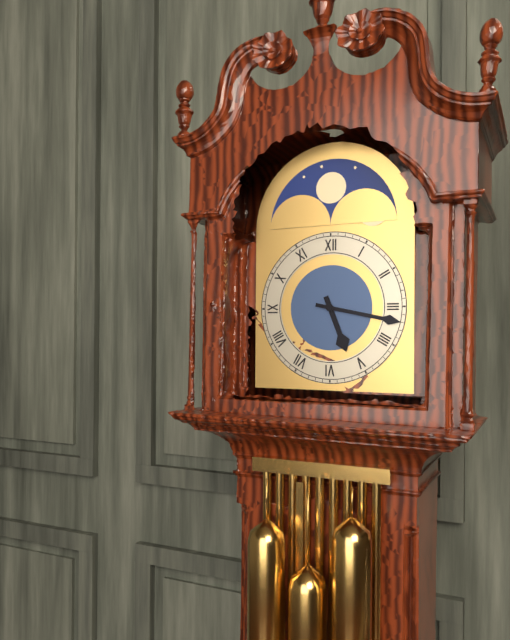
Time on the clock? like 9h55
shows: 5h17
